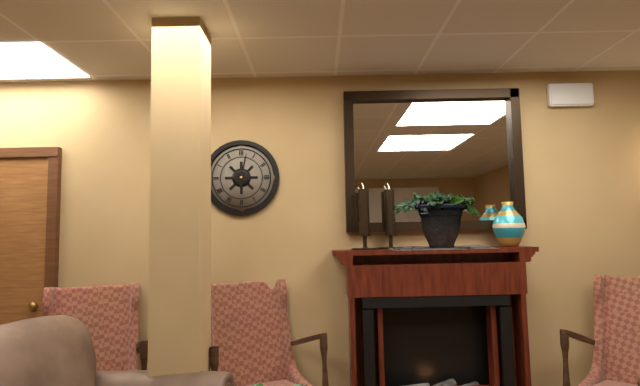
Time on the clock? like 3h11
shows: 6h02
